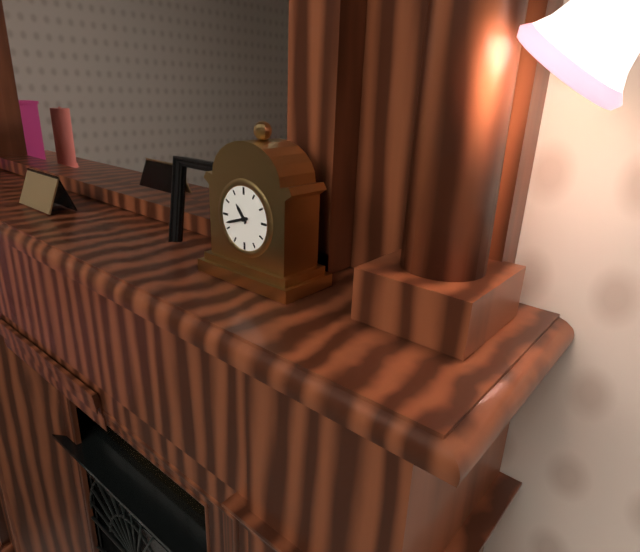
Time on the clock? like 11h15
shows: 10h42
